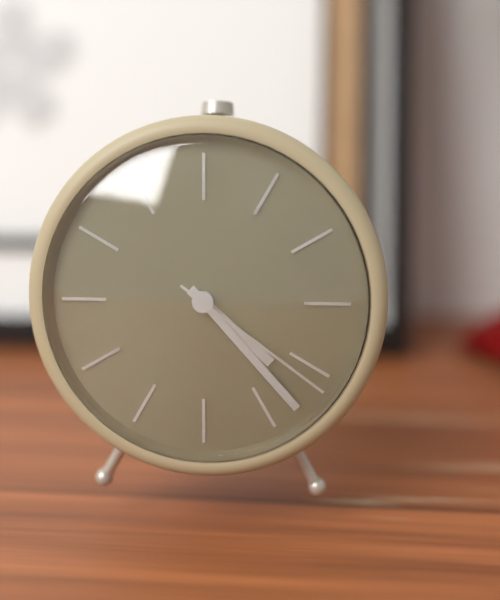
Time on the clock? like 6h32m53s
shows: 4h23m21s
